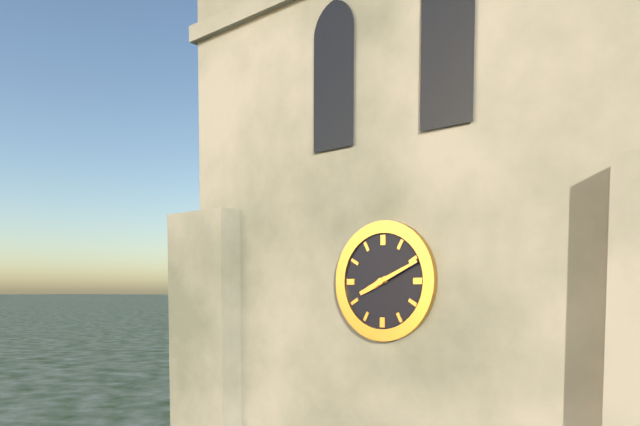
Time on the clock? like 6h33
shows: 8h11
